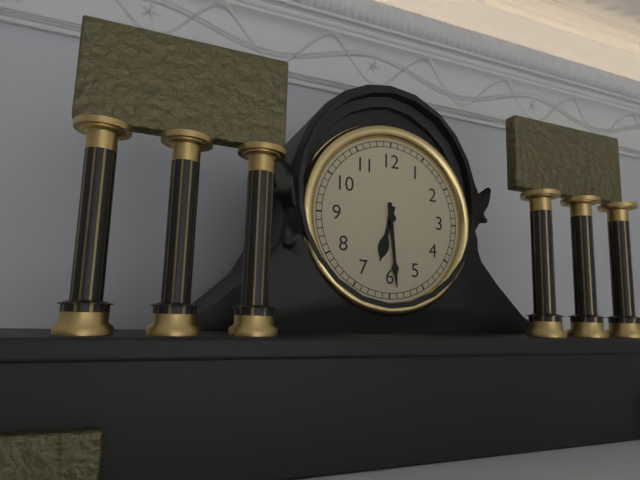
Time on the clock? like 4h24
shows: 6h29
